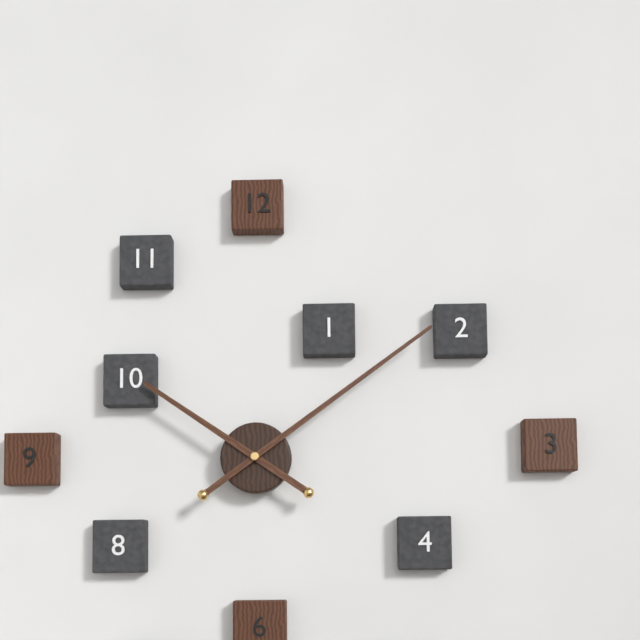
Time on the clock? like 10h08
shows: 10h09
